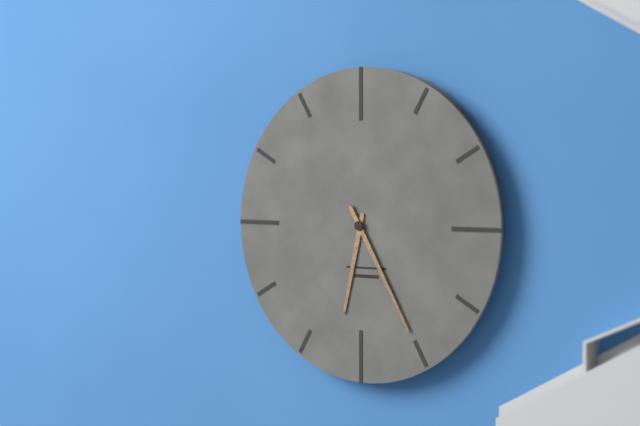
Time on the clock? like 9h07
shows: 6h25
